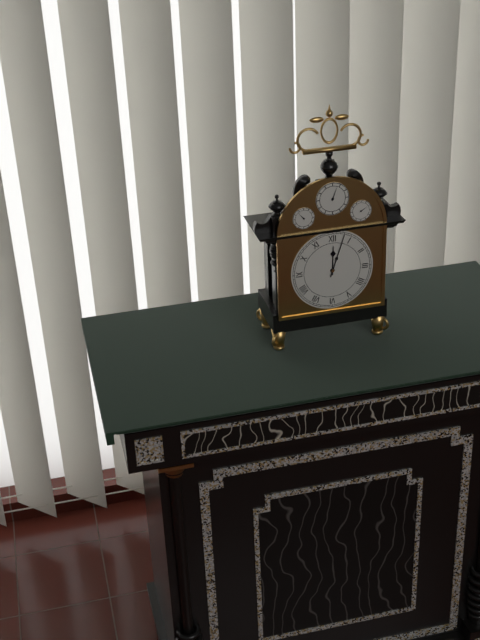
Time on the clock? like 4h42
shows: 12h03
